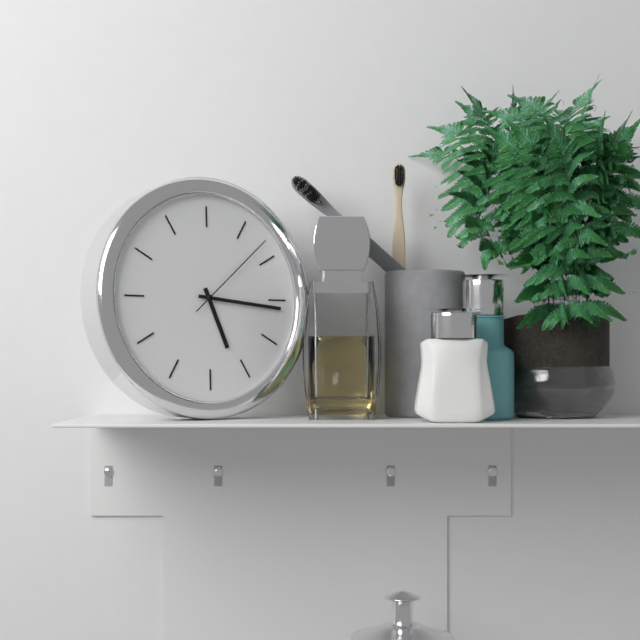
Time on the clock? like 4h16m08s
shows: 5h16m08s
